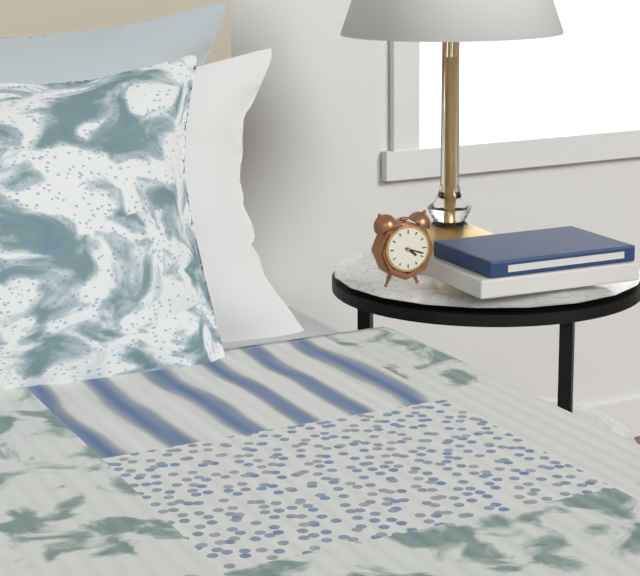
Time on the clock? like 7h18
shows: 4h18
